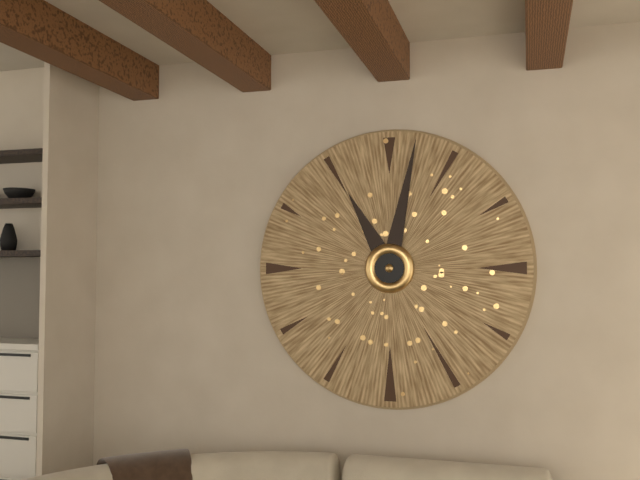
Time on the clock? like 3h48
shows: 11h02
